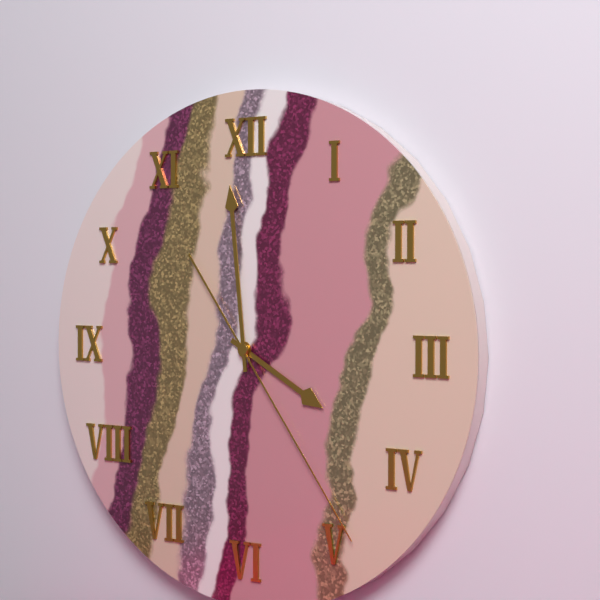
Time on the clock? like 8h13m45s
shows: 3h59m24s
